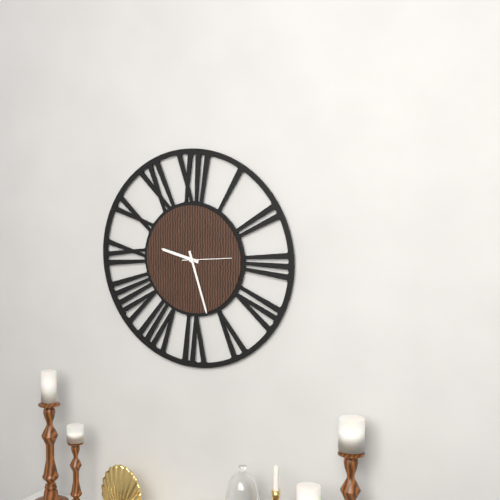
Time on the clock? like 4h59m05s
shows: 9h27m14s
